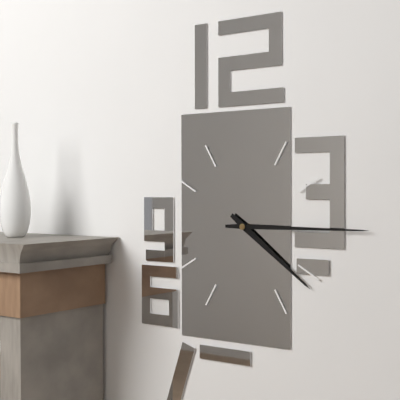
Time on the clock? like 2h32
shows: 4h15
